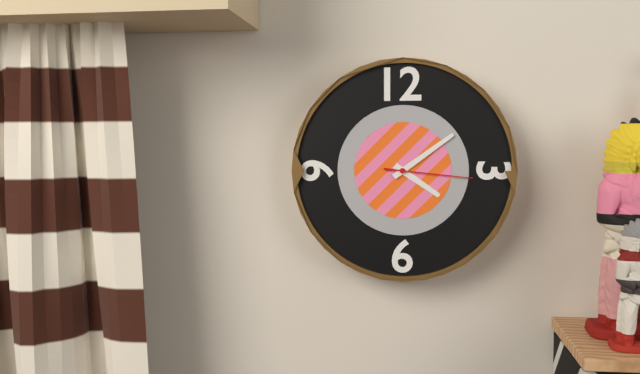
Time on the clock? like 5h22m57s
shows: 4h09m16s
